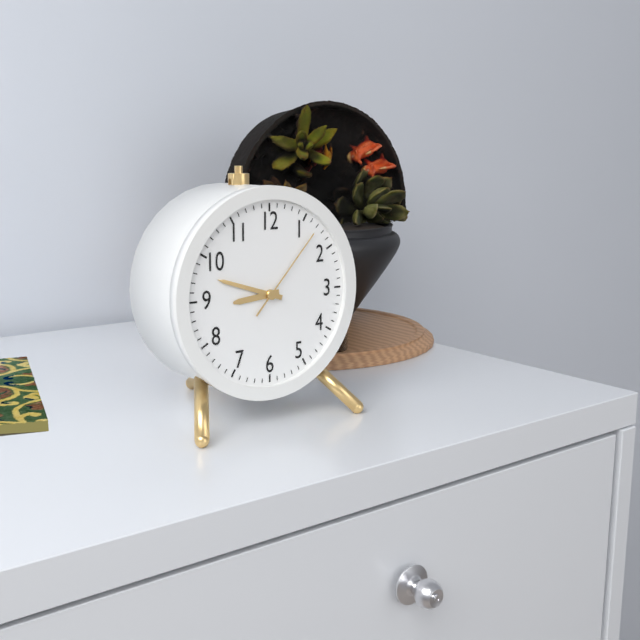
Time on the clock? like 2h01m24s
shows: 8h48m07s
